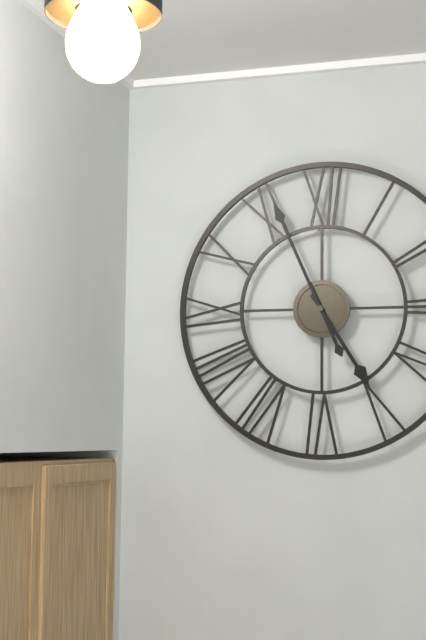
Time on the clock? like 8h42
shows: 4h56
